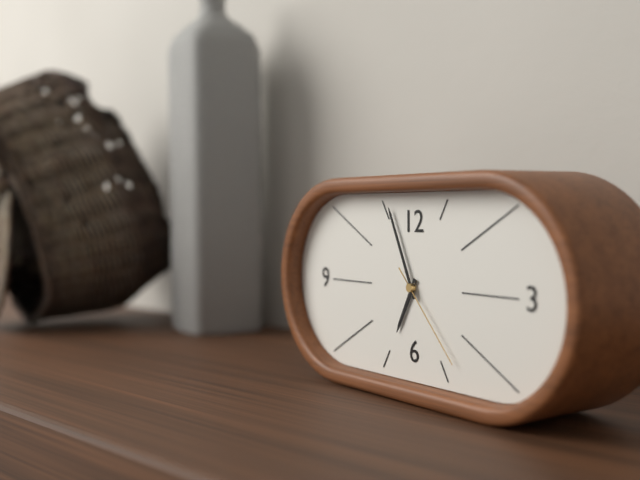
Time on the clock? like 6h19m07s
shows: 6h56m23s
